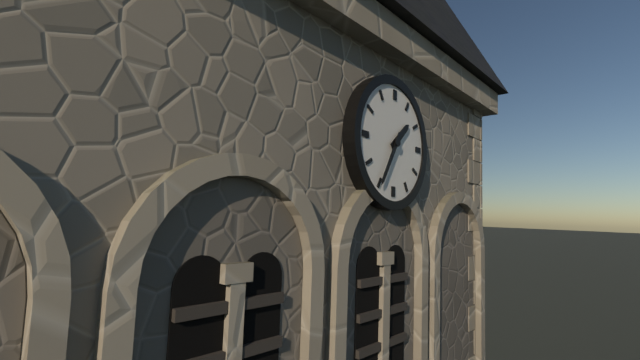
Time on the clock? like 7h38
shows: 1h35
